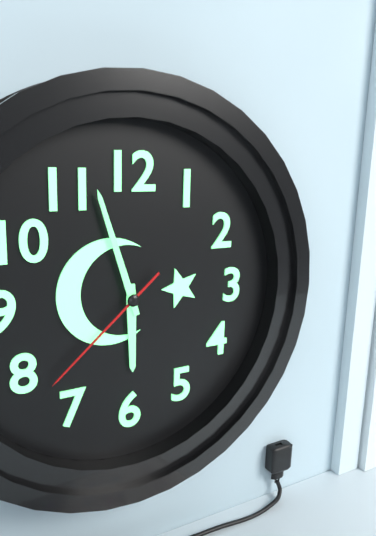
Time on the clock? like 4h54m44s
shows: 5h57m38s
